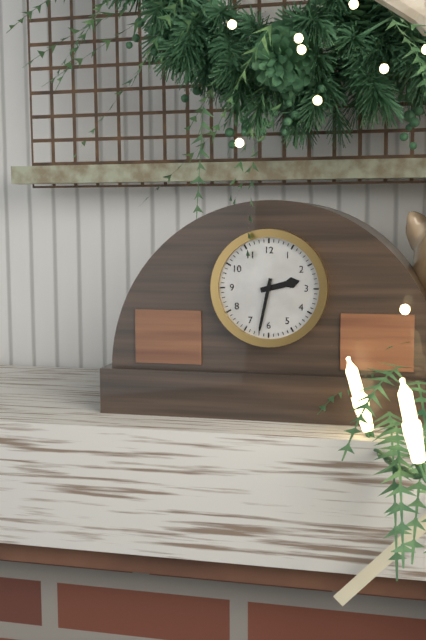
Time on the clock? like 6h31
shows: 2h32
